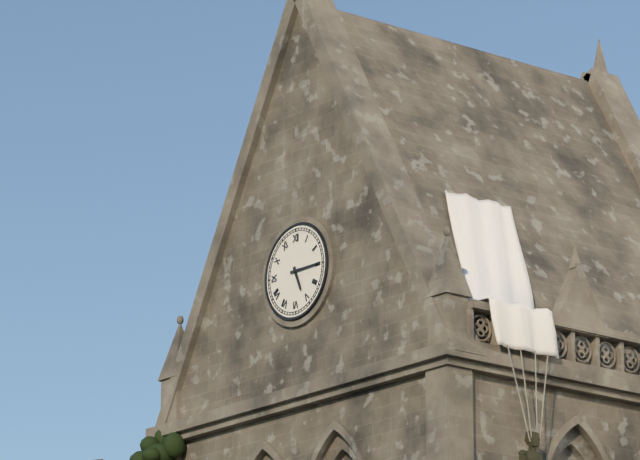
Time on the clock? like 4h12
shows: 5h15
